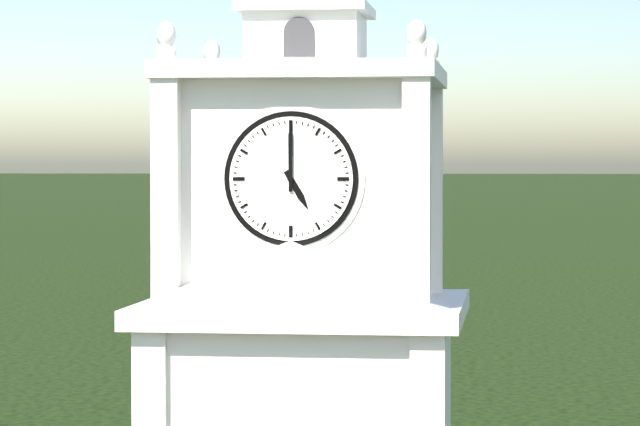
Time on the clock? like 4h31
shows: 5h00
